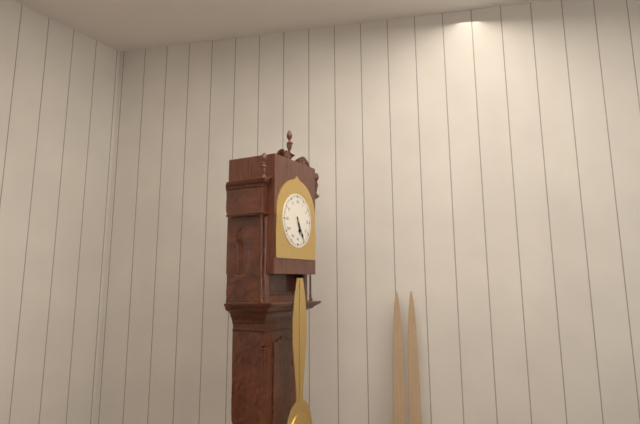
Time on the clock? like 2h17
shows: 5h25
